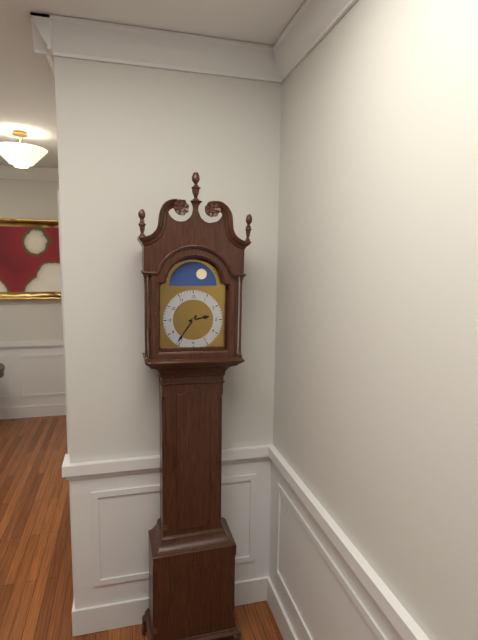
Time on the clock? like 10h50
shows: 2h36
